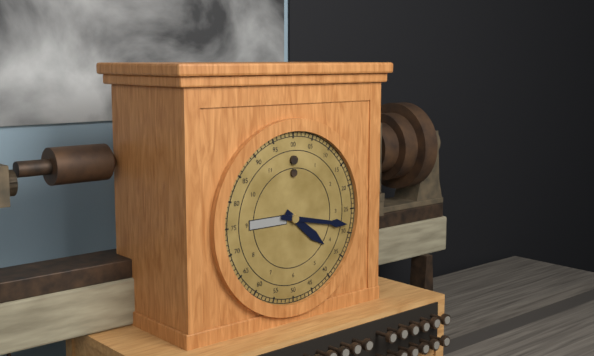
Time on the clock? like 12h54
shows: 4h17
